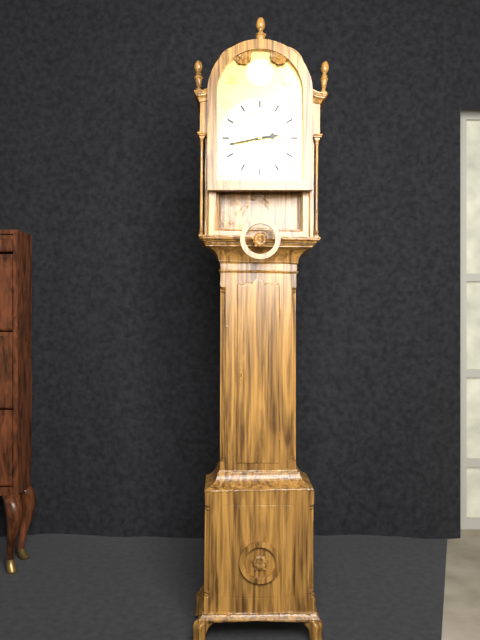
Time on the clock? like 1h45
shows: 2h43
